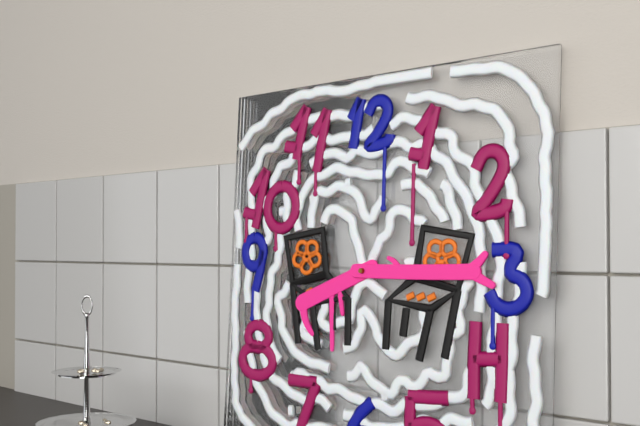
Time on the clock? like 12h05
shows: 8h15
